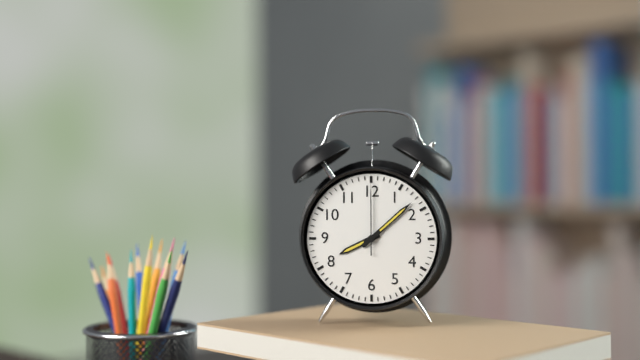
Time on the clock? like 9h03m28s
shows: 8h08m00s
